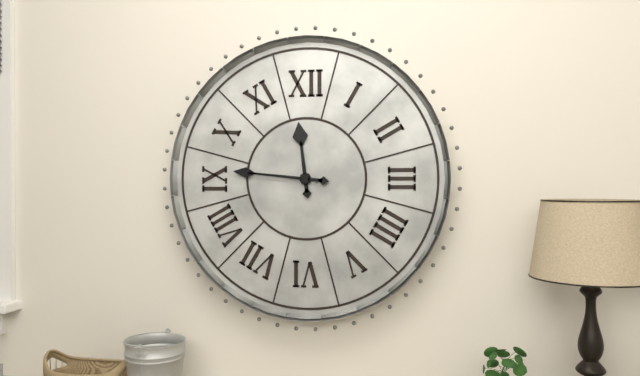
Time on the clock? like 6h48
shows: 11h46
